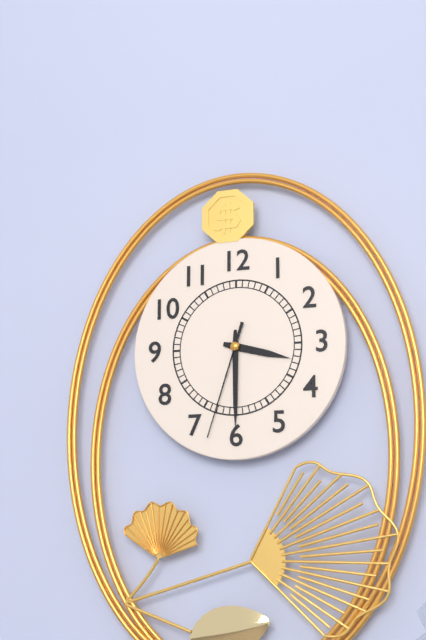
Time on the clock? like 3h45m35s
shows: 3h30m33s
